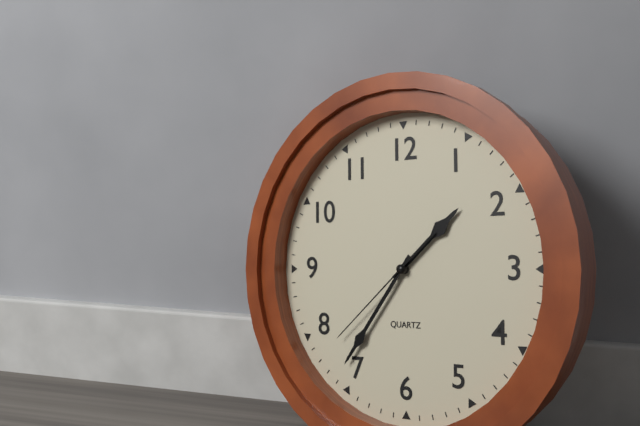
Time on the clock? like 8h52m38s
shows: 1h36m38s
